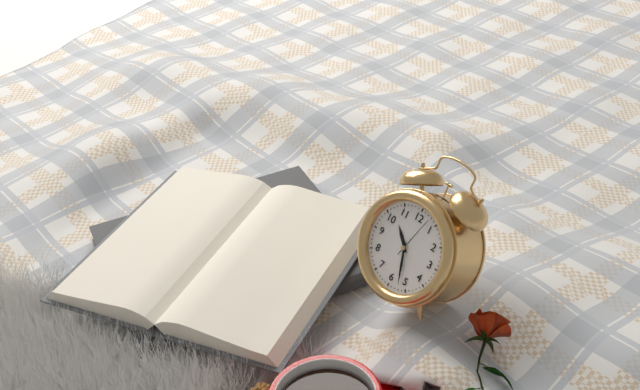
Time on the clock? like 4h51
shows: 10h27
